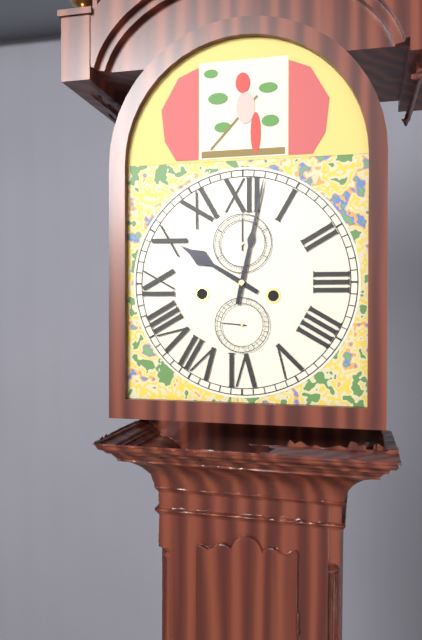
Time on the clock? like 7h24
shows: 10h02
